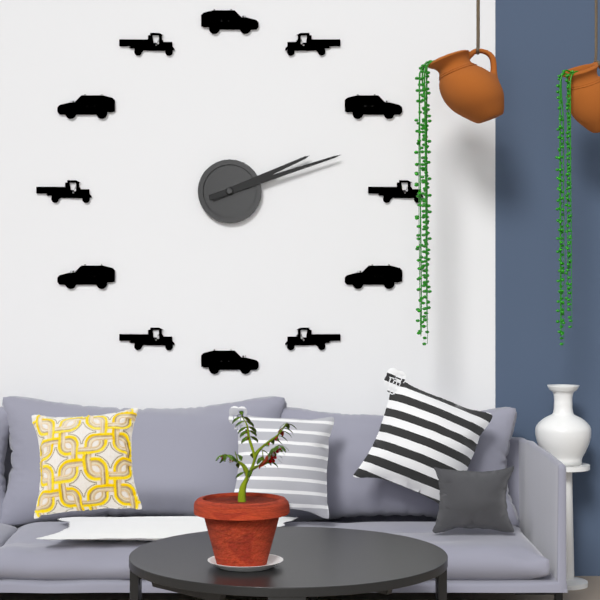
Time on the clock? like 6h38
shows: 2h12
